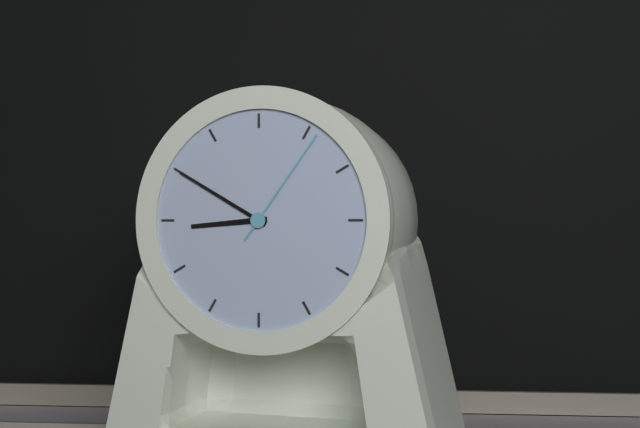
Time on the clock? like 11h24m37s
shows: 8h50m06s
